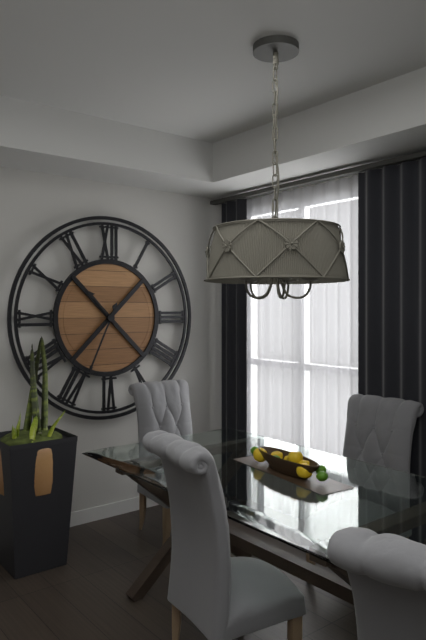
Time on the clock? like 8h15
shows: 10h34
